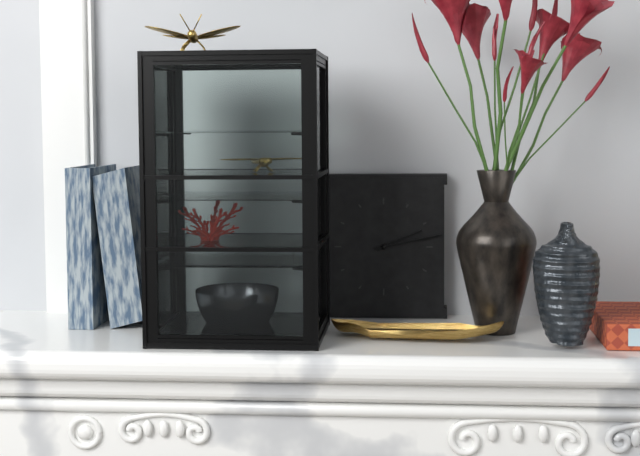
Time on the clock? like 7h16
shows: 2h13
